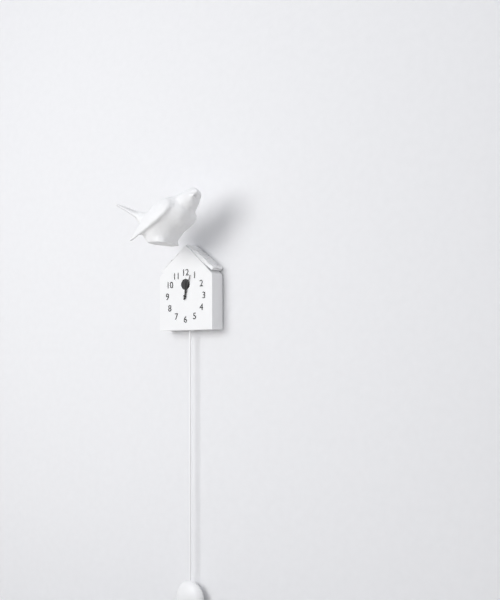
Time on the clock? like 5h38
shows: 12h03
